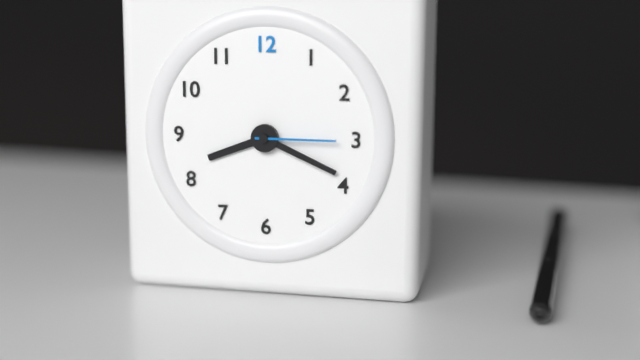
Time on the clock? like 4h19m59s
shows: 8h19m15s
